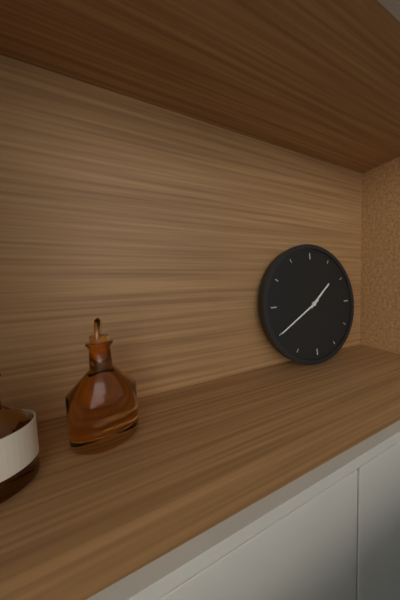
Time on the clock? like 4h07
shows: 1h40
